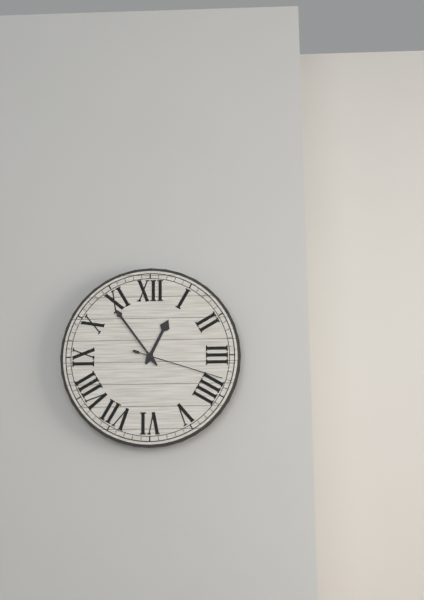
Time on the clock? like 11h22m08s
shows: 12h54m18s
